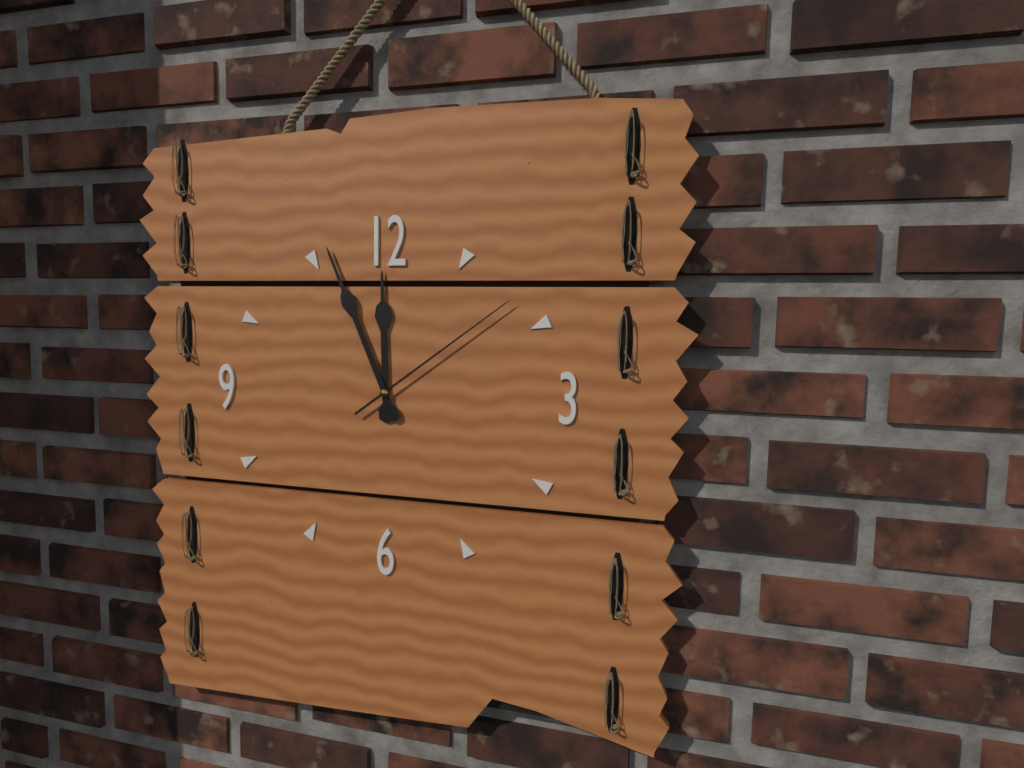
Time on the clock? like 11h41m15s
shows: 11h56m09s
